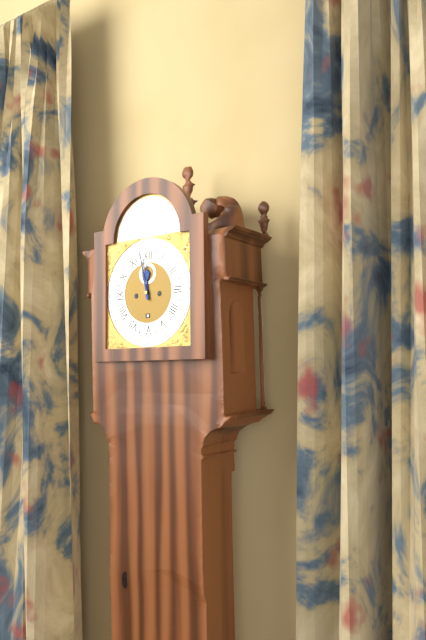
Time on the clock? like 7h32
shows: 11h58
